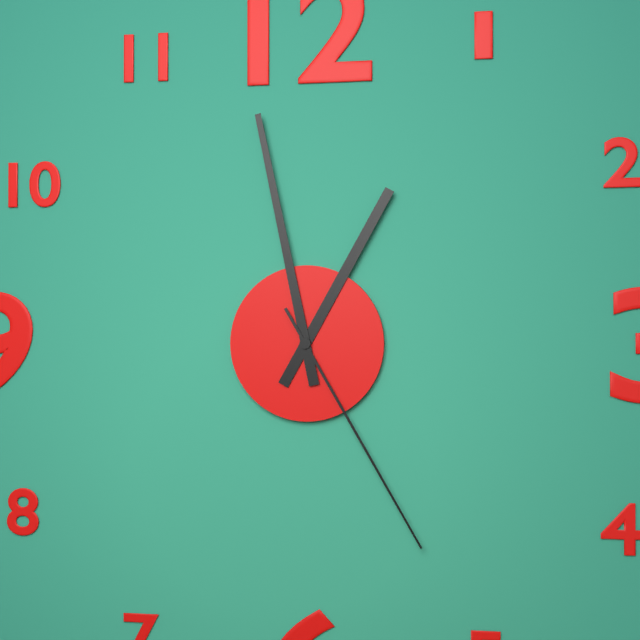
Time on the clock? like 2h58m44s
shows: 12h58m25s
